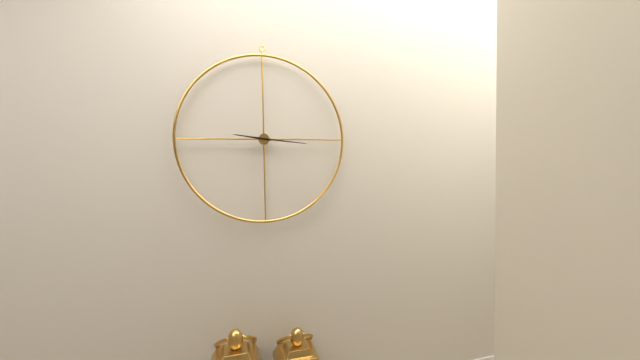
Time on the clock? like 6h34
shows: 9h16
